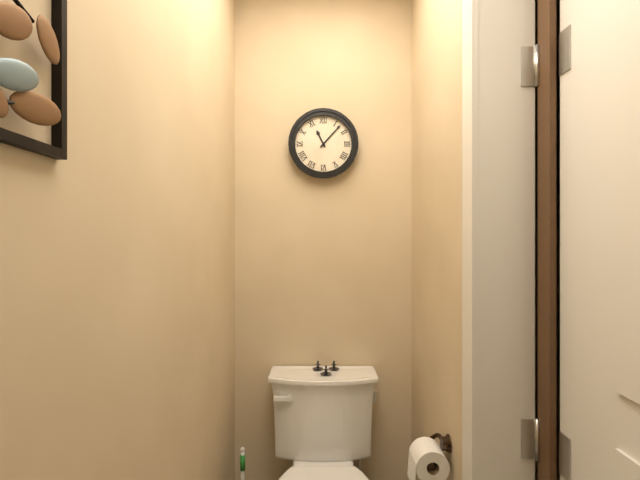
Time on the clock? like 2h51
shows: 11h07
